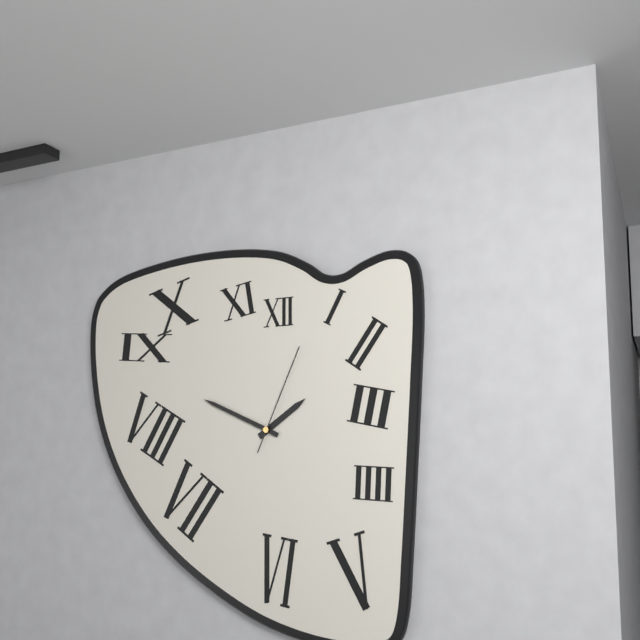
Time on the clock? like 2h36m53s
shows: 1h49m04s
